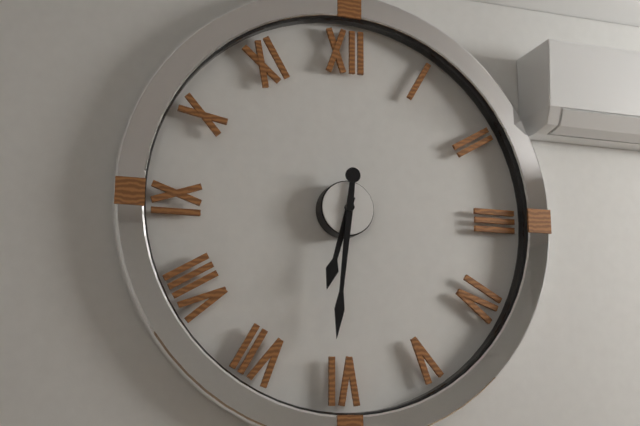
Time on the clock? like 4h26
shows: 6h31
